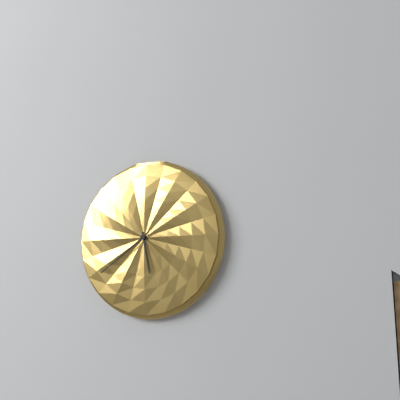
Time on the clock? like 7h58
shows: 5h39
